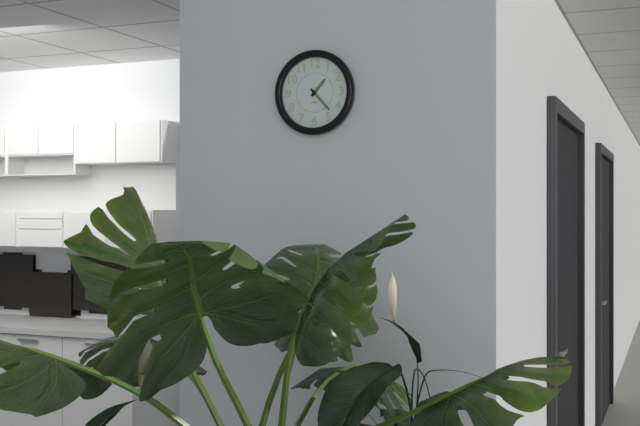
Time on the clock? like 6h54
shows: 1h23
